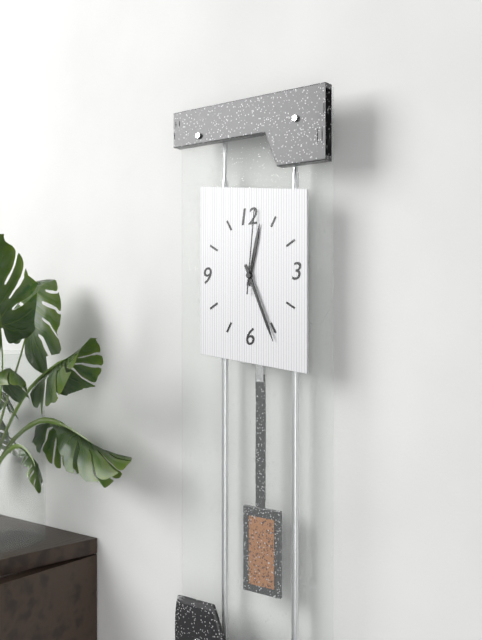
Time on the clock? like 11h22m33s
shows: 12h26m01s
